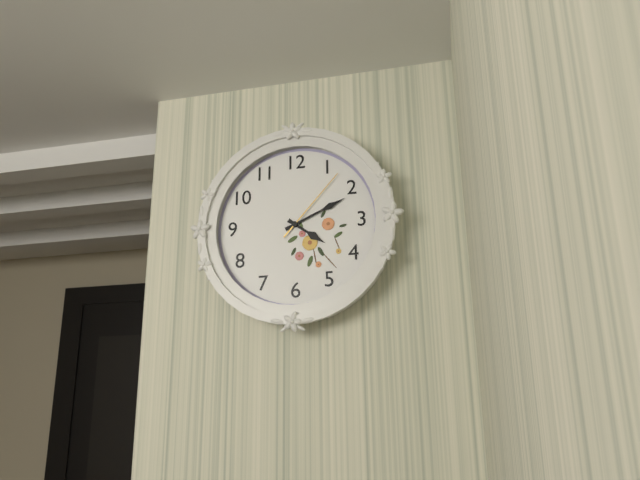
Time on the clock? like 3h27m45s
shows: 4h11m07s
